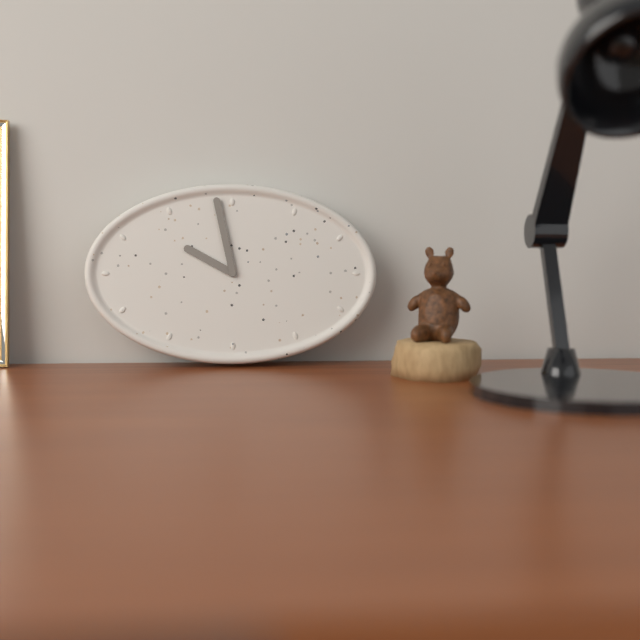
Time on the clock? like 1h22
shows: 9h58
